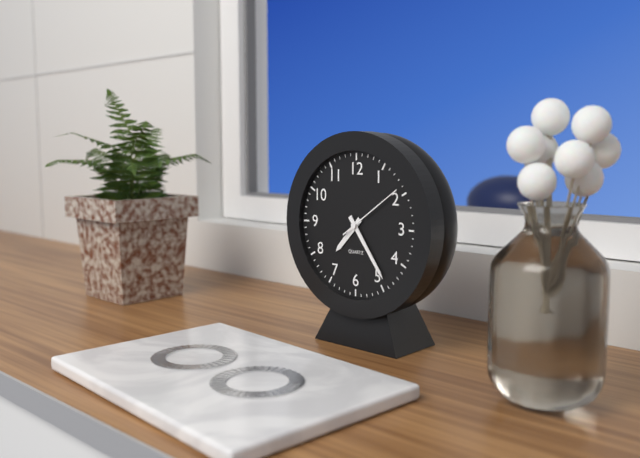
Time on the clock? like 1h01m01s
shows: 7h24m09s
